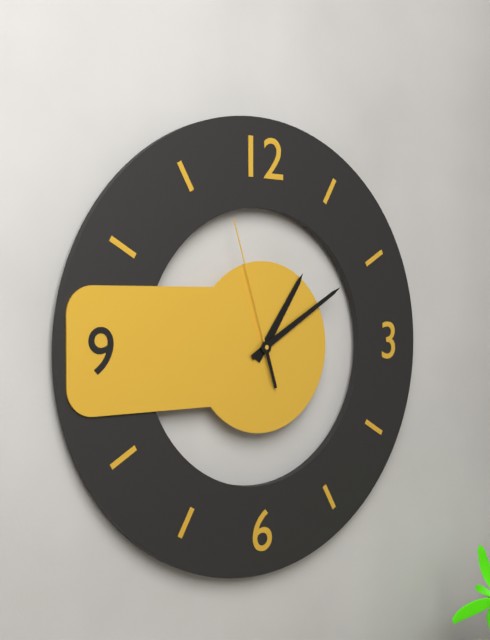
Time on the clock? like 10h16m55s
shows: 1h10m57s
